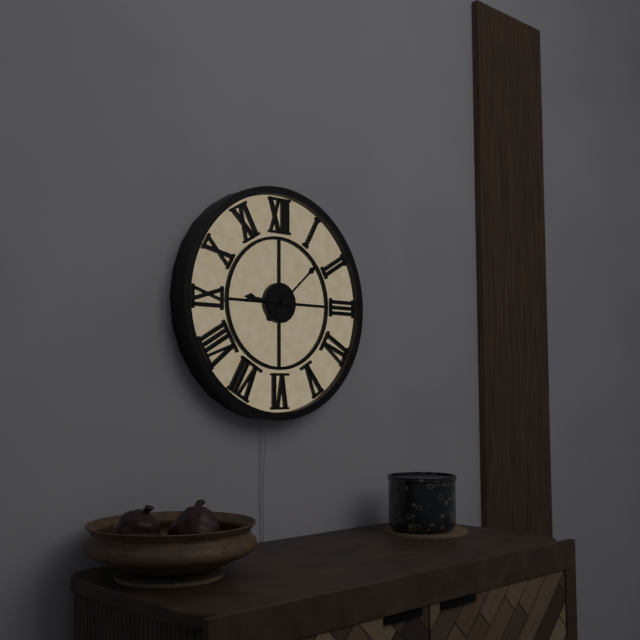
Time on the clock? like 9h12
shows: 9h08
